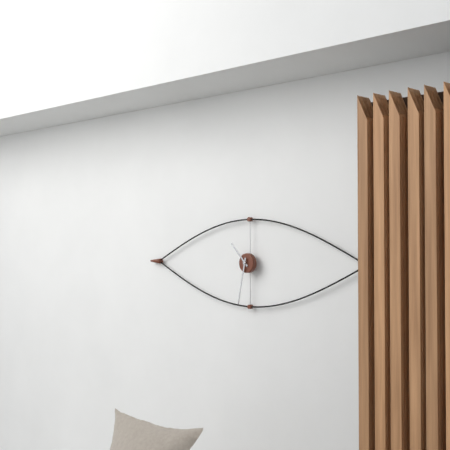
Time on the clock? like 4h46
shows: 10h32
